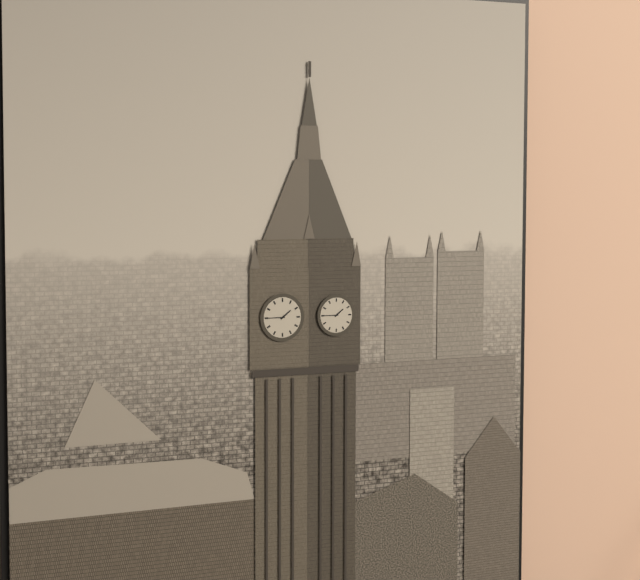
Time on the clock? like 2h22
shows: 1h45
